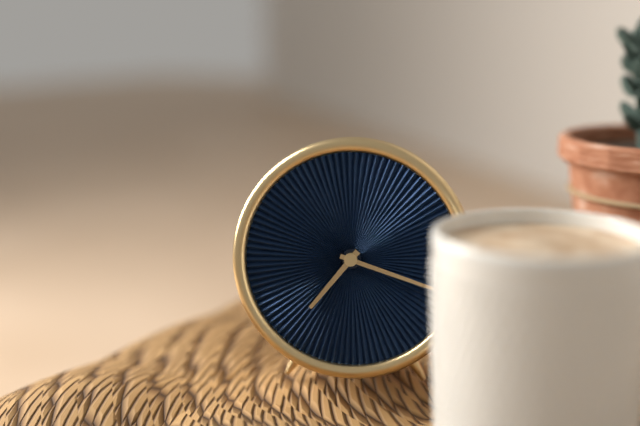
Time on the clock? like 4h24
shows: 7h18
